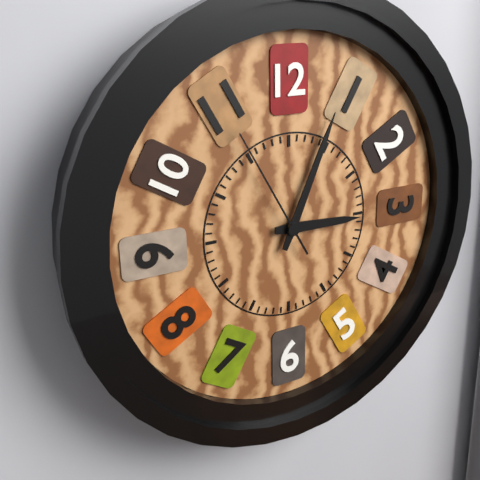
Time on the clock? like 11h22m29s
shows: 3h04m55s
